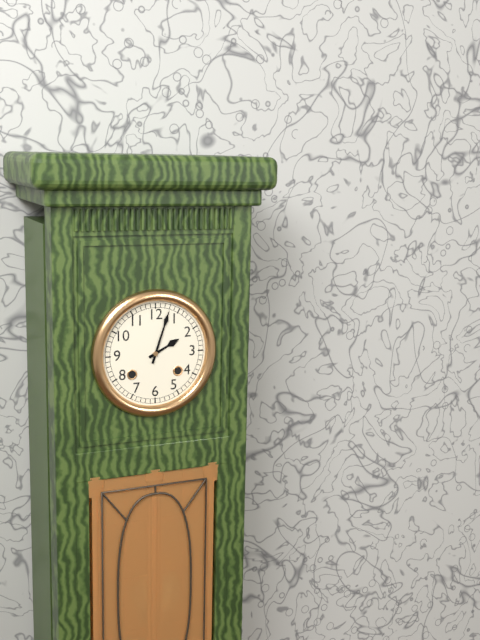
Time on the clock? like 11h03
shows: 2h03
